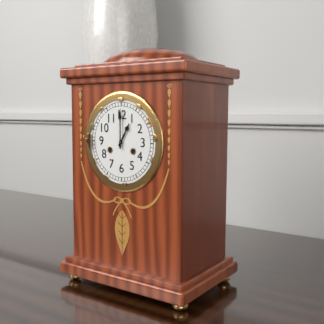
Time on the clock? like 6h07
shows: 1h00
